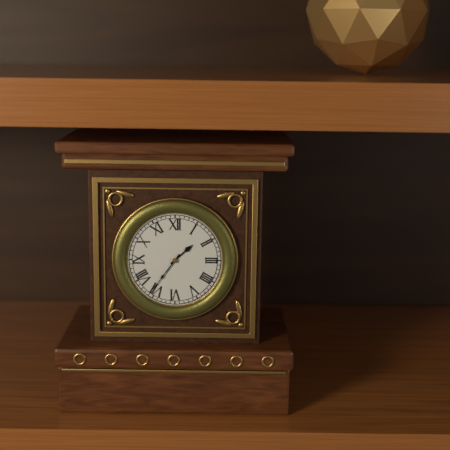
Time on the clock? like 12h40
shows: 1h36
